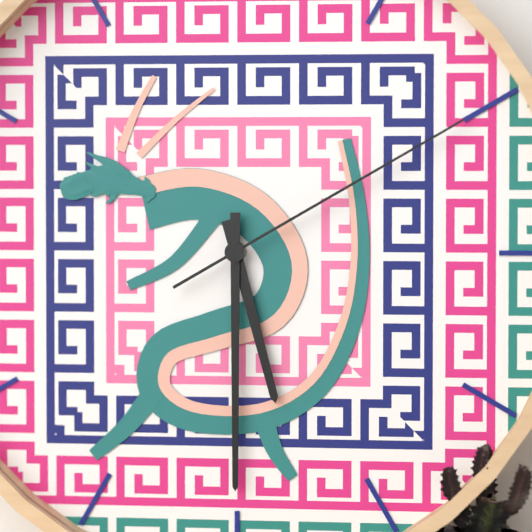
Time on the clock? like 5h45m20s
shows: 5h30m10s
